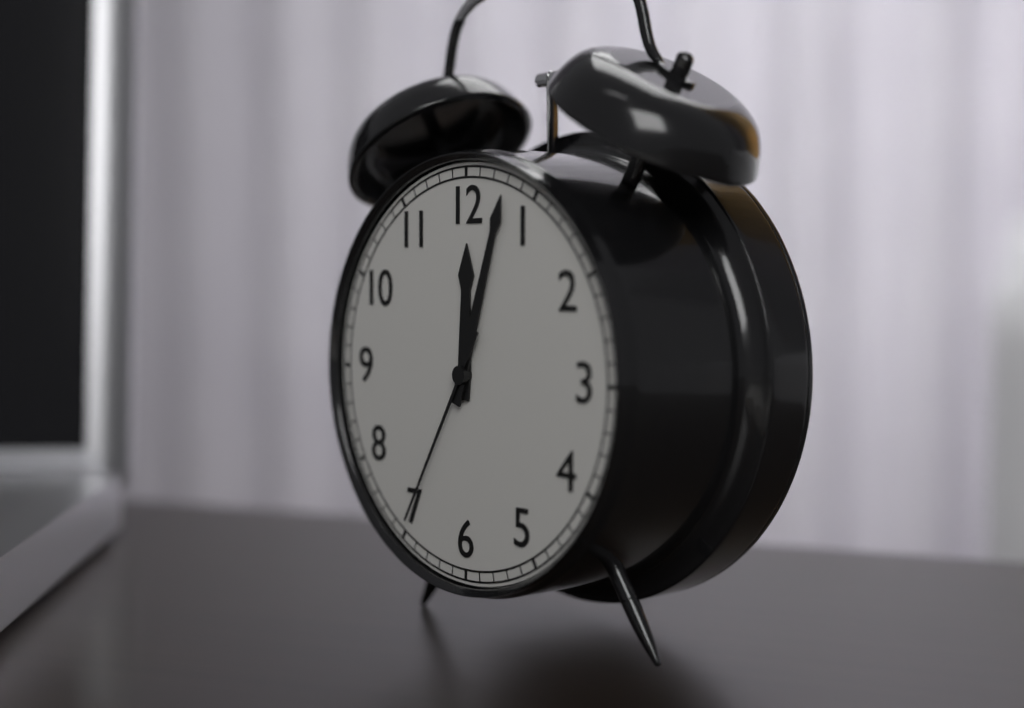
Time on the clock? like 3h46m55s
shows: 12h03m35s
